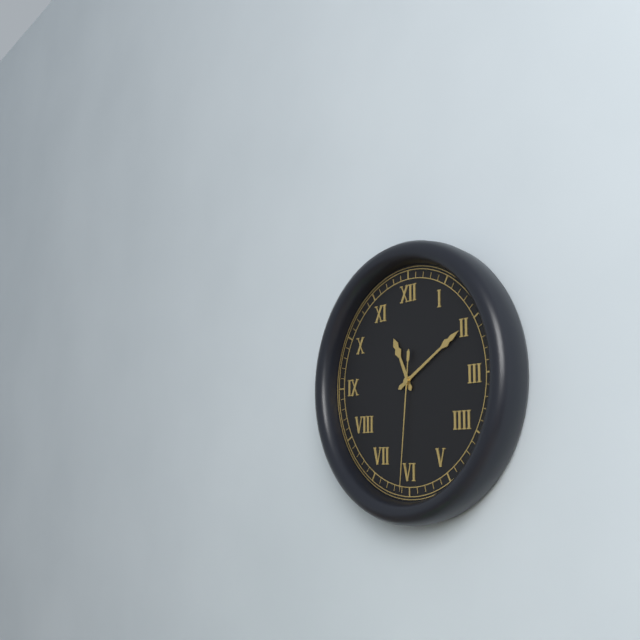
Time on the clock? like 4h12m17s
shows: 11h10m31s
